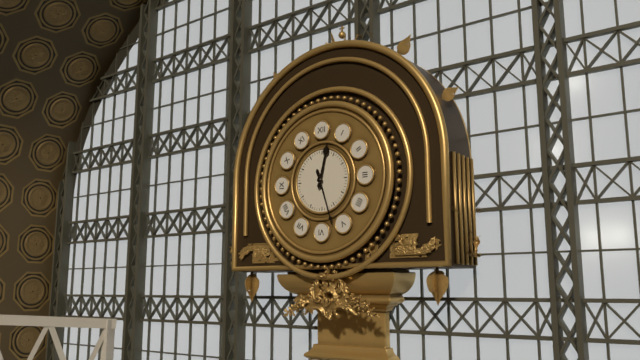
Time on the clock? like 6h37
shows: 12h27
